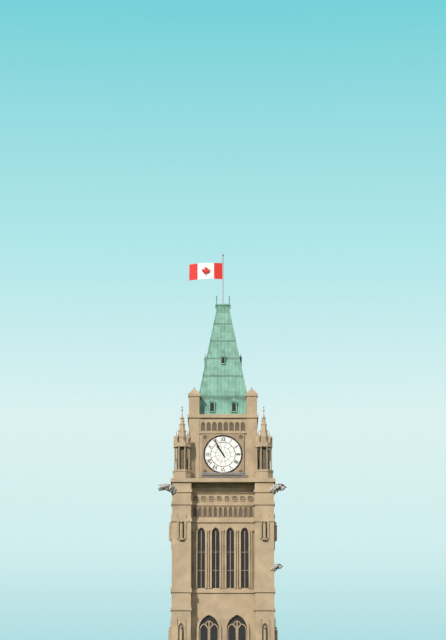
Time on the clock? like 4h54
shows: 10h55
